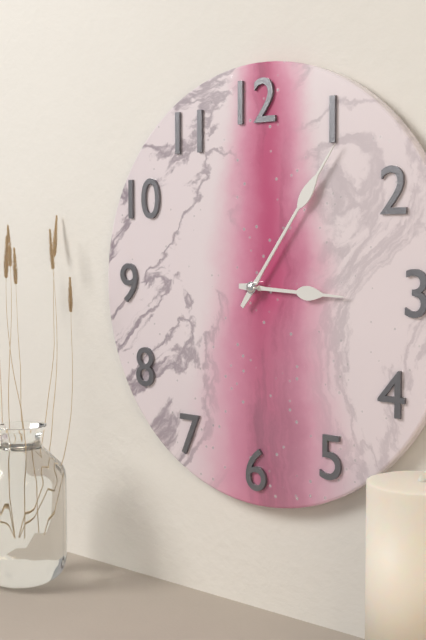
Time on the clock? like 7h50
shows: 3h06
